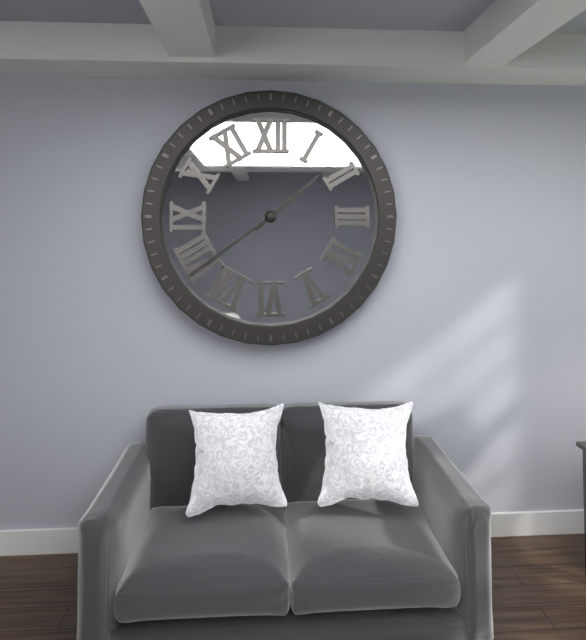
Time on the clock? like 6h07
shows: 1h39
